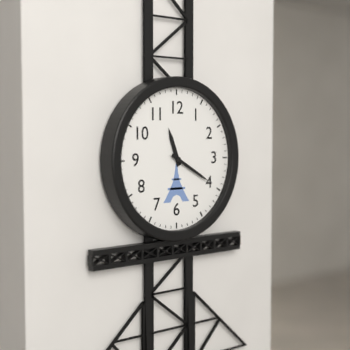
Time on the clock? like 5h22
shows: 11h20
